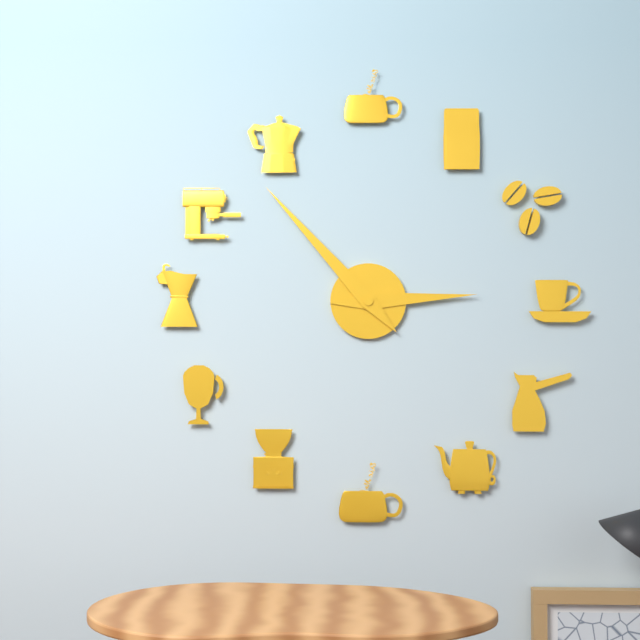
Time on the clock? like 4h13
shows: 2h53
